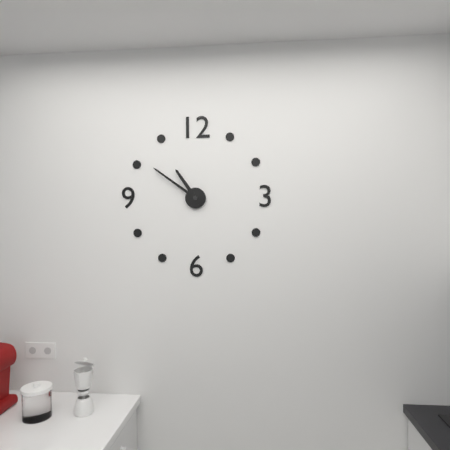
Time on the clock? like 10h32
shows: 10h51
